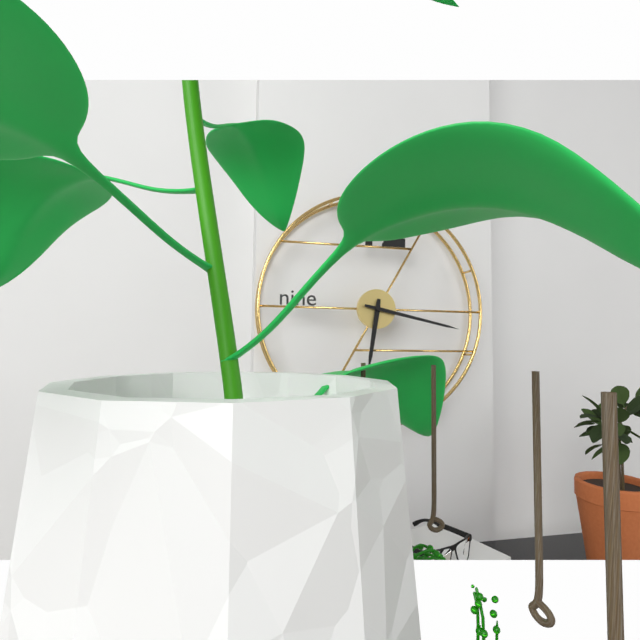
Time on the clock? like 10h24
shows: 6h17
